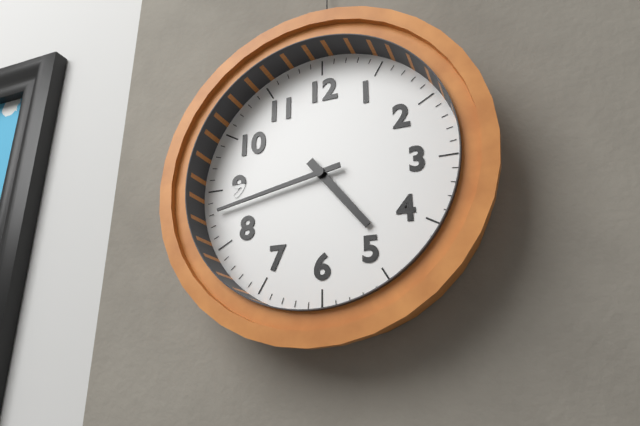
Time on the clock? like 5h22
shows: 4h43
